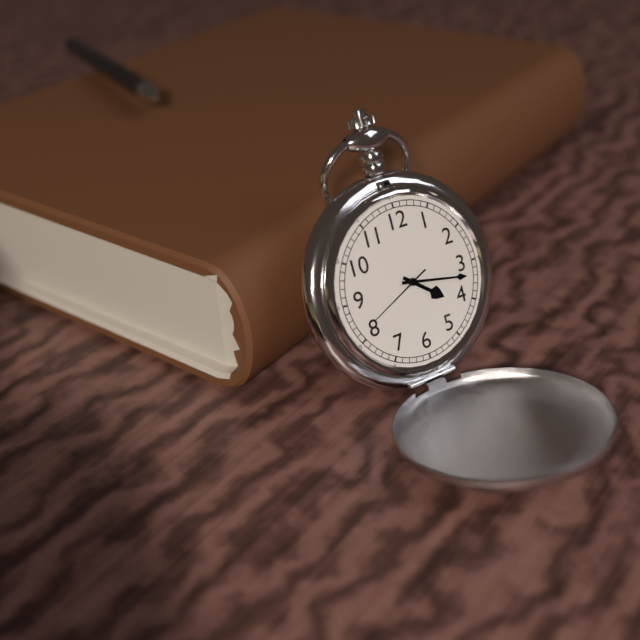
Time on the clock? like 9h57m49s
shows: 4h17m41s
